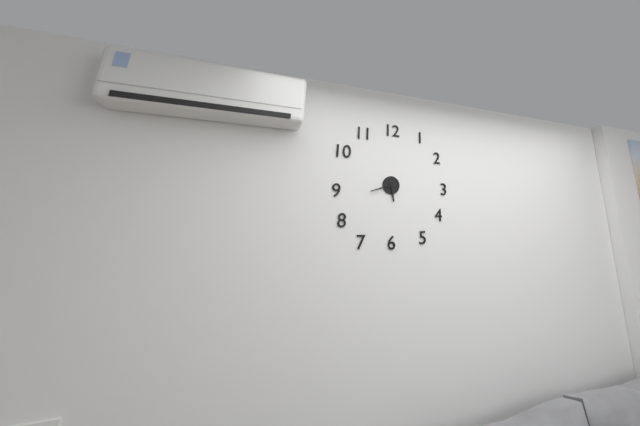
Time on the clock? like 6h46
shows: 5h42
